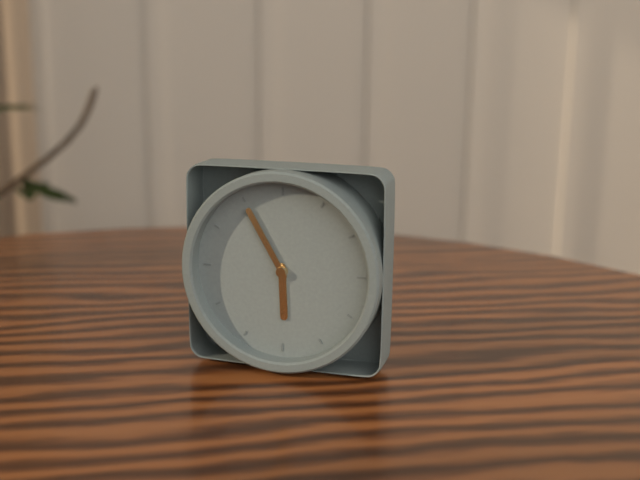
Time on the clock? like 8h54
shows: 5h55
